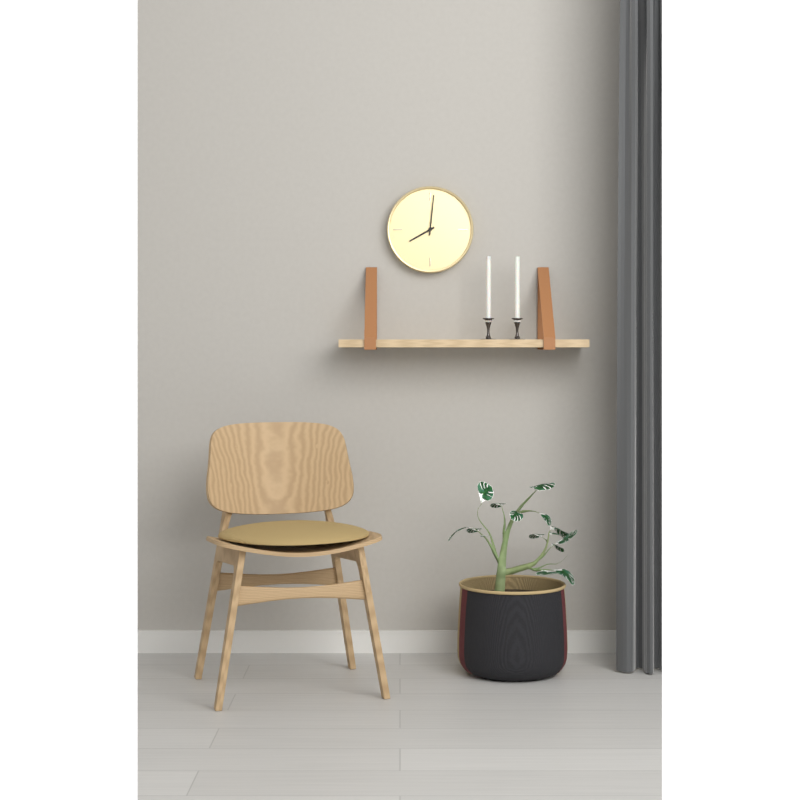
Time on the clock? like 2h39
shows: 8h01
